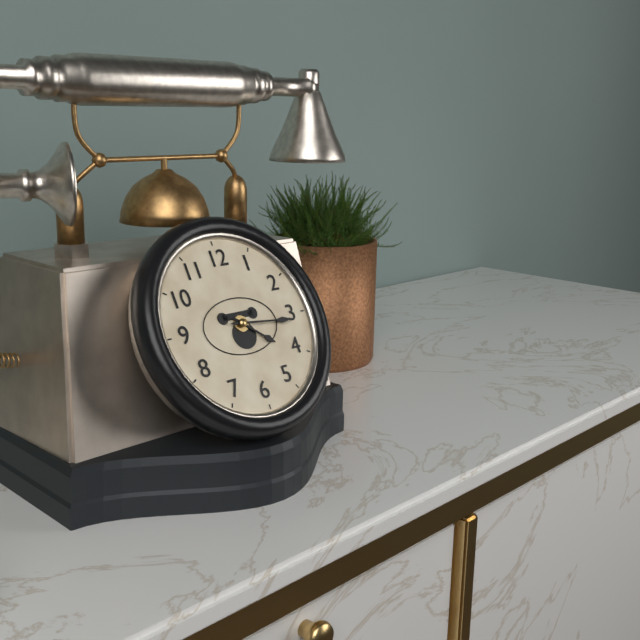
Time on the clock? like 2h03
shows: 4h16
